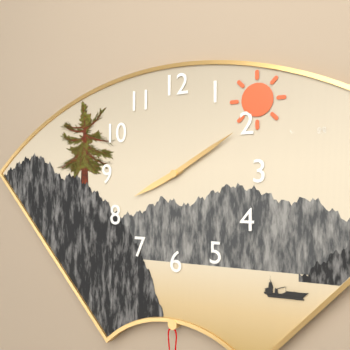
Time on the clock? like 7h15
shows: 8h10
